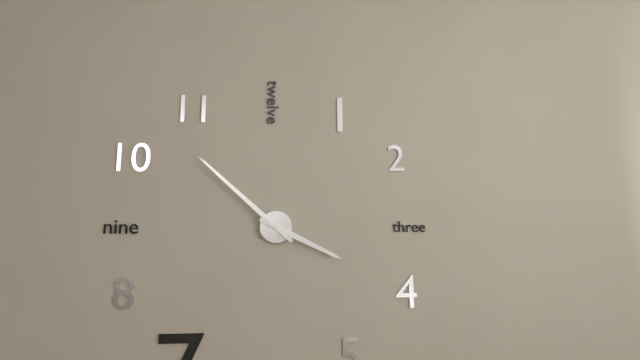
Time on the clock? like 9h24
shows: 3h52
